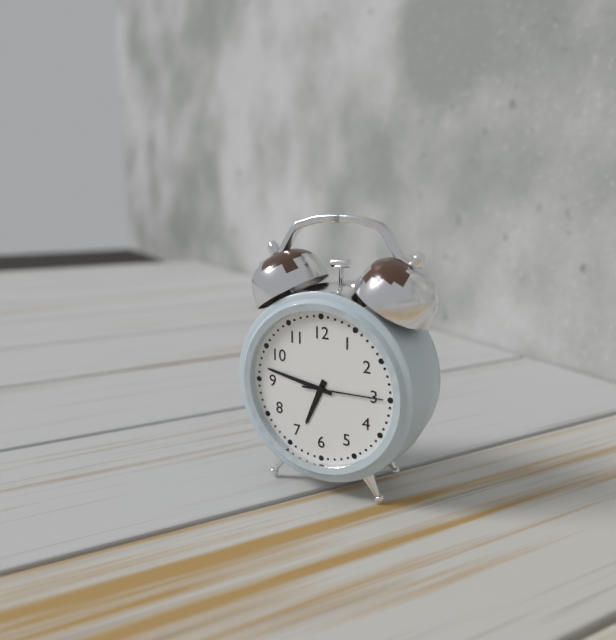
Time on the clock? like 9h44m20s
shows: 6h47m15s
